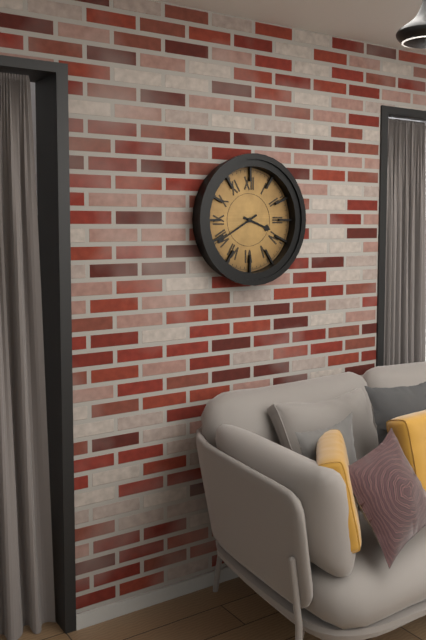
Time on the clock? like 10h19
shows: 3h40
